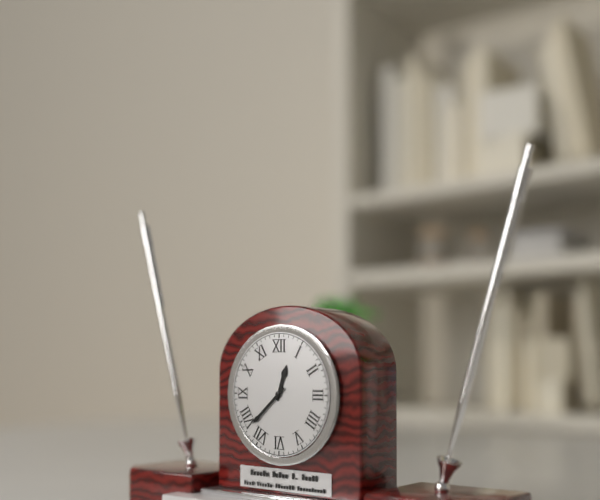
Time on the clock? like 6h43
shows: 12h38
